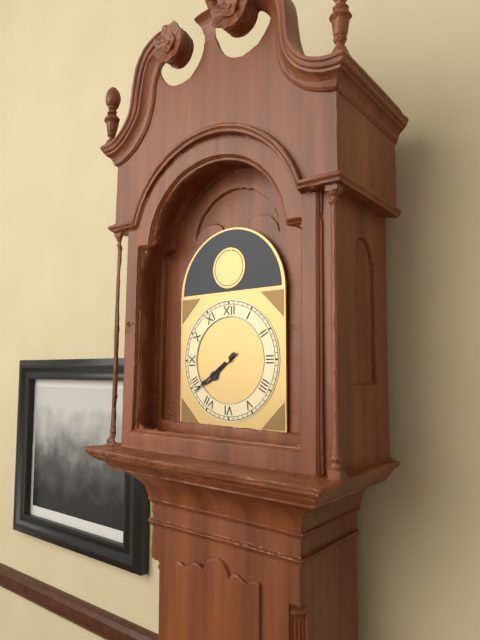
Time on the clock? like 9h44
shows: 7h39
